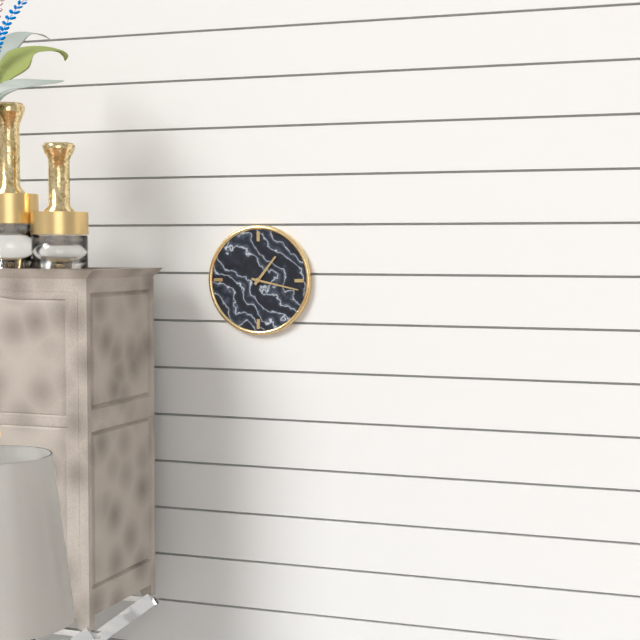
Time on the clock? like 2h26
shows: 1h17
